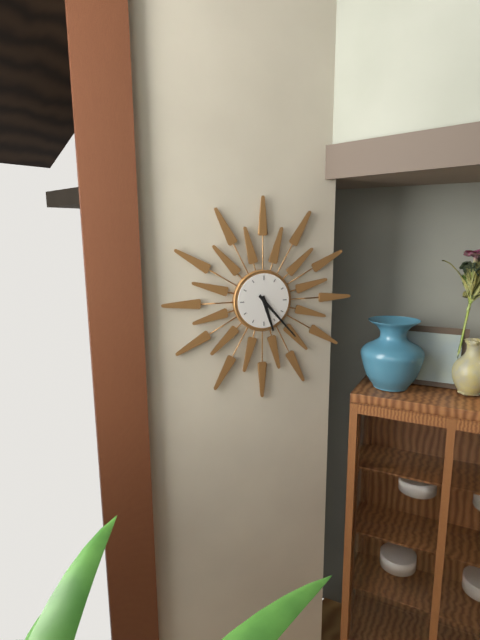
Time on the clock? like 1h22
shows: 5h23
